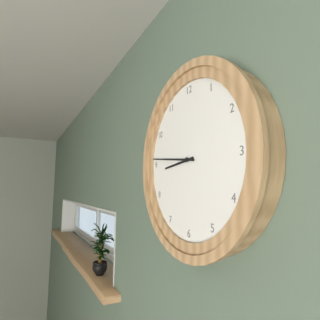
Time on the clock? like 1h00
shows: 8h46
